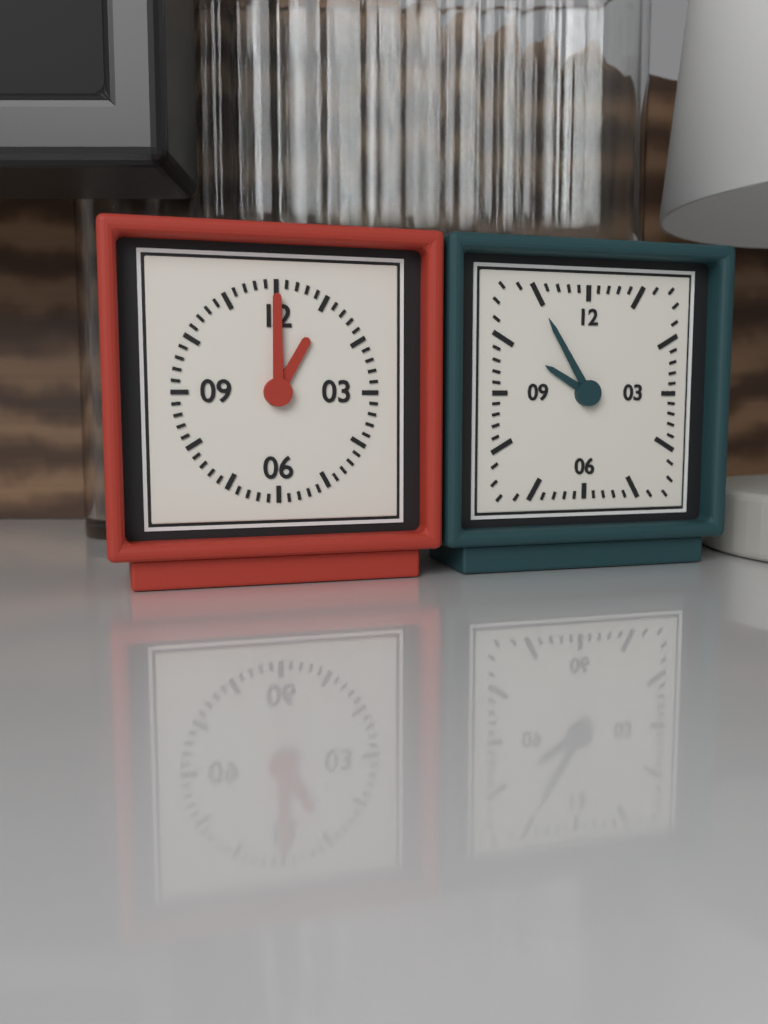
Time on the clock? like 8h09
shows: 1h00
